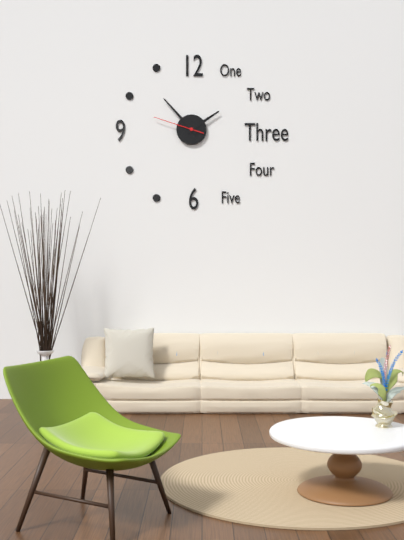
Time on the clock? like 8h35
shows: 1h53
